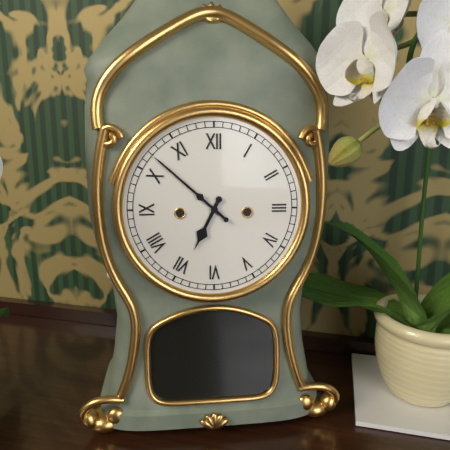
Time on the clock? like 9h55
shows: 6h52
